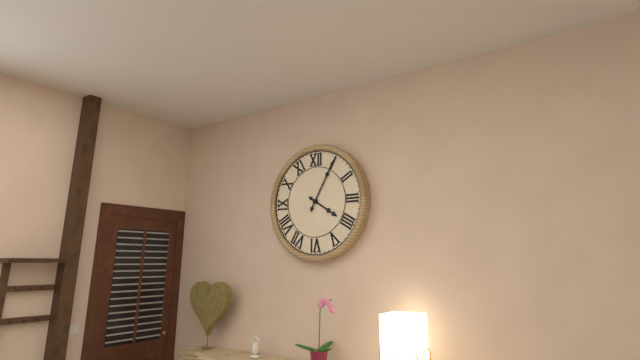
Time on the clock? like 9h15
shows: 4h05
